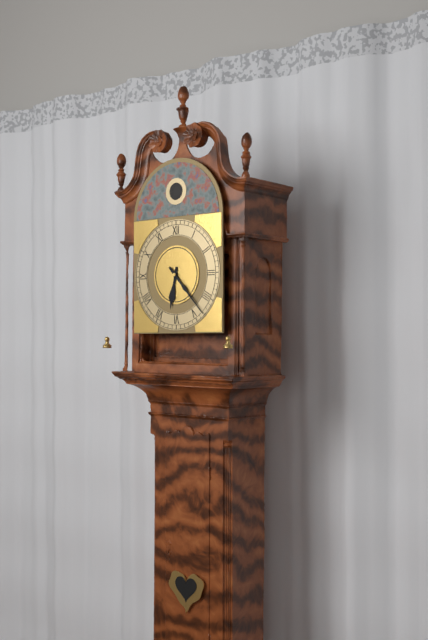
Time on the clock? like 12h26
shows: 6h23
